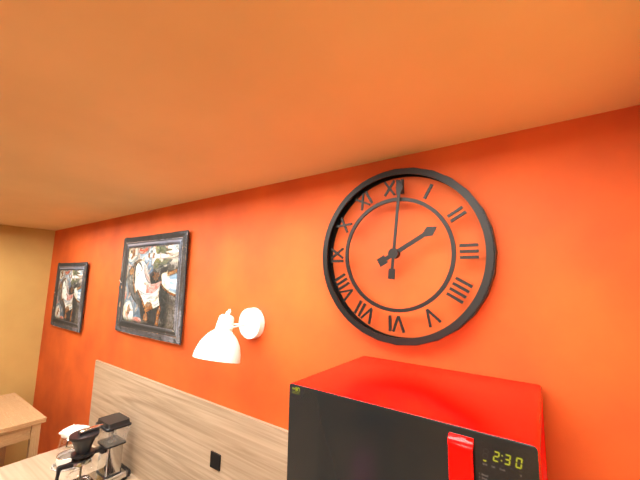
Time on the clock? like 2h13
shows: 2h01
